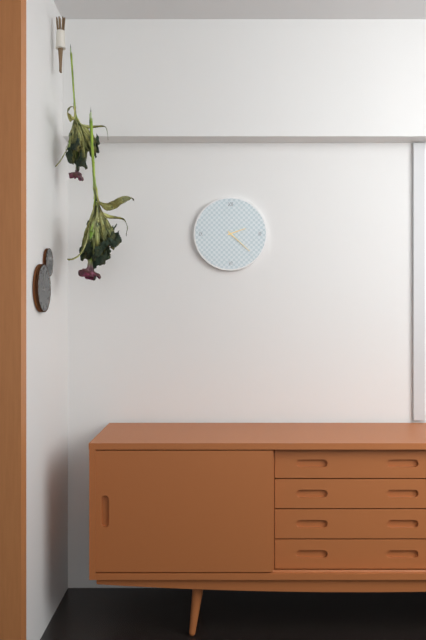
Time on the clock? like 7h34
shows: 2h22
